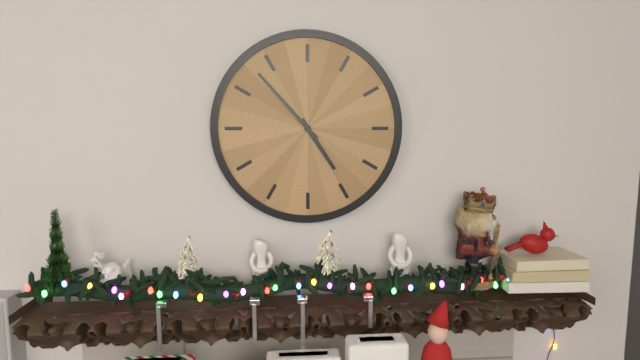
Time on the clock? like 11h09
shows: 4h53
